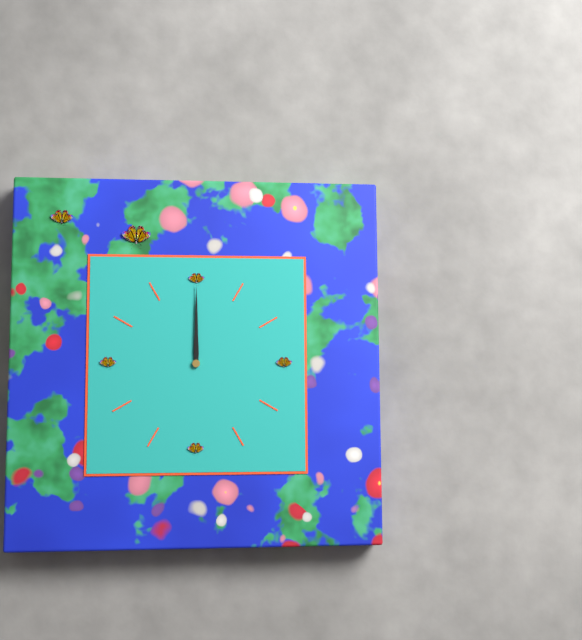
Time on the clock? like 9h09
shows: 12h00
